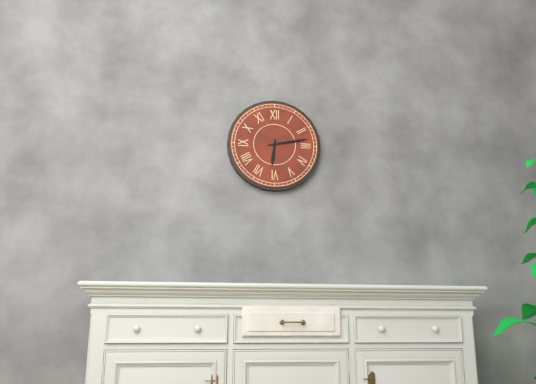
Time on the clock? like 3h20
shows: 6h13
